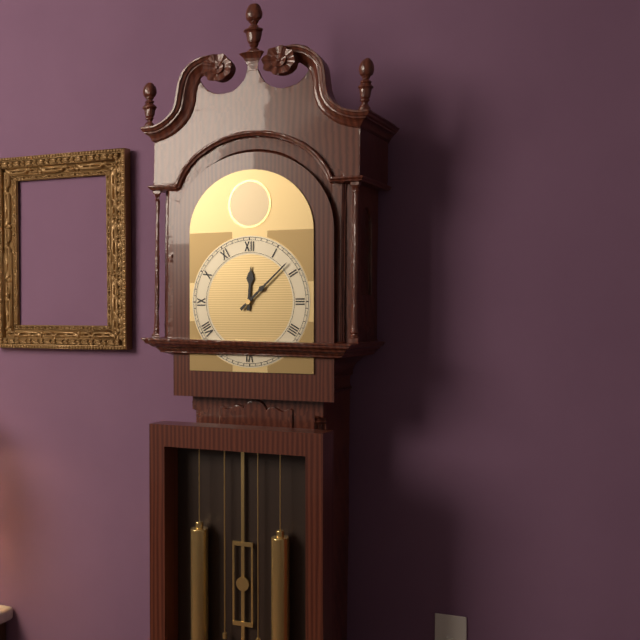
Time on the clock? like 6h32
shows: 12h08
